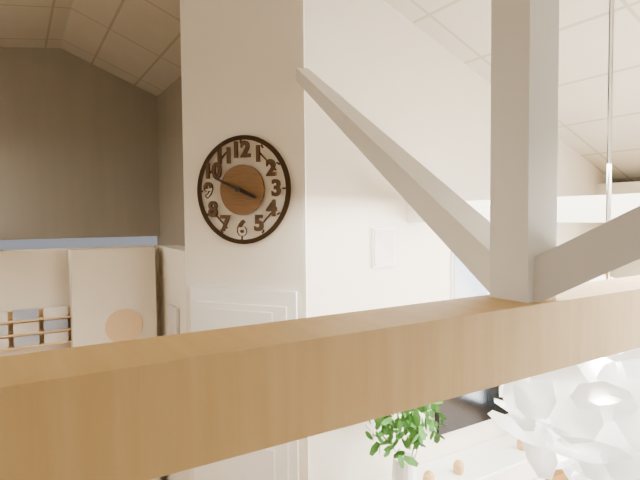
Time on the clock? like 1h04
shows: 3h49
